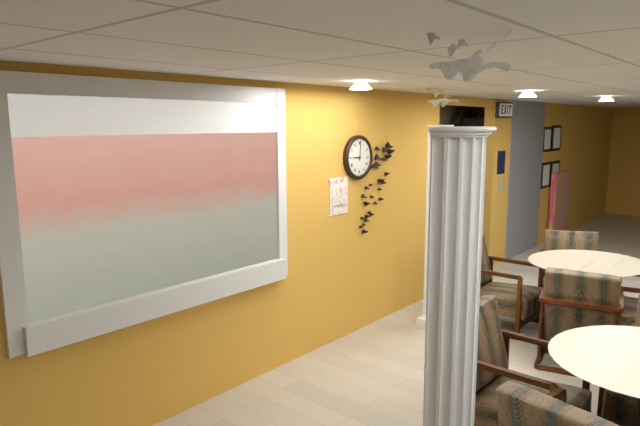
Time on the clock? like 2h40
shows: 9h01
